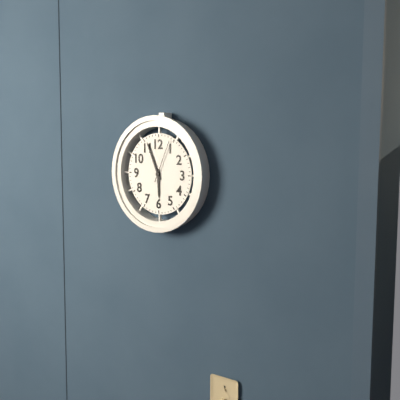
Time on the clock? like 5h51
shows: 5h56
